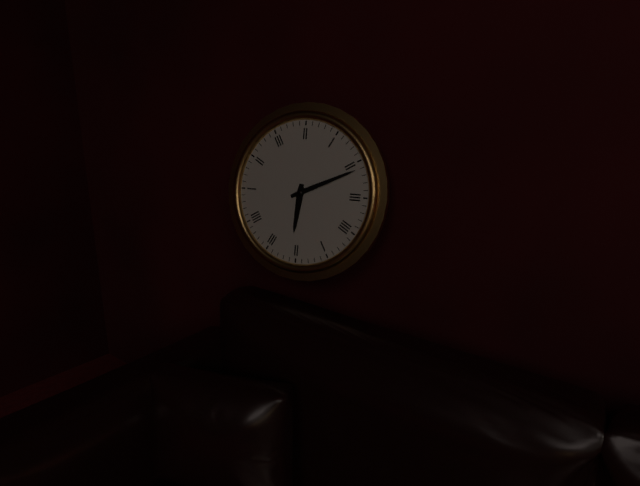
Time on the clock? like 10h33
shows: 6h11
